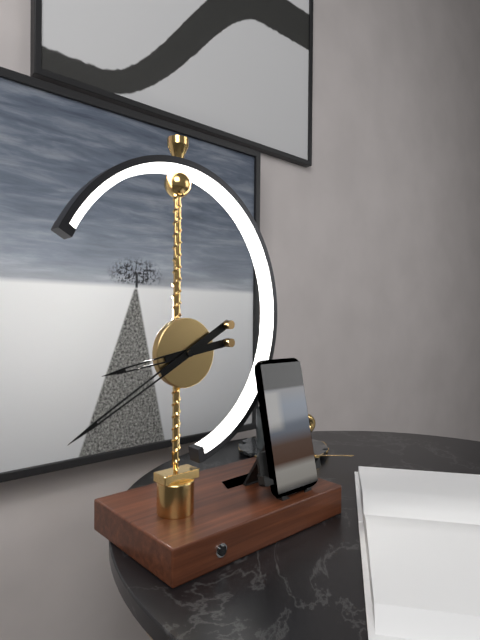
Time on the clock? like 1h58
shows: 8h40
